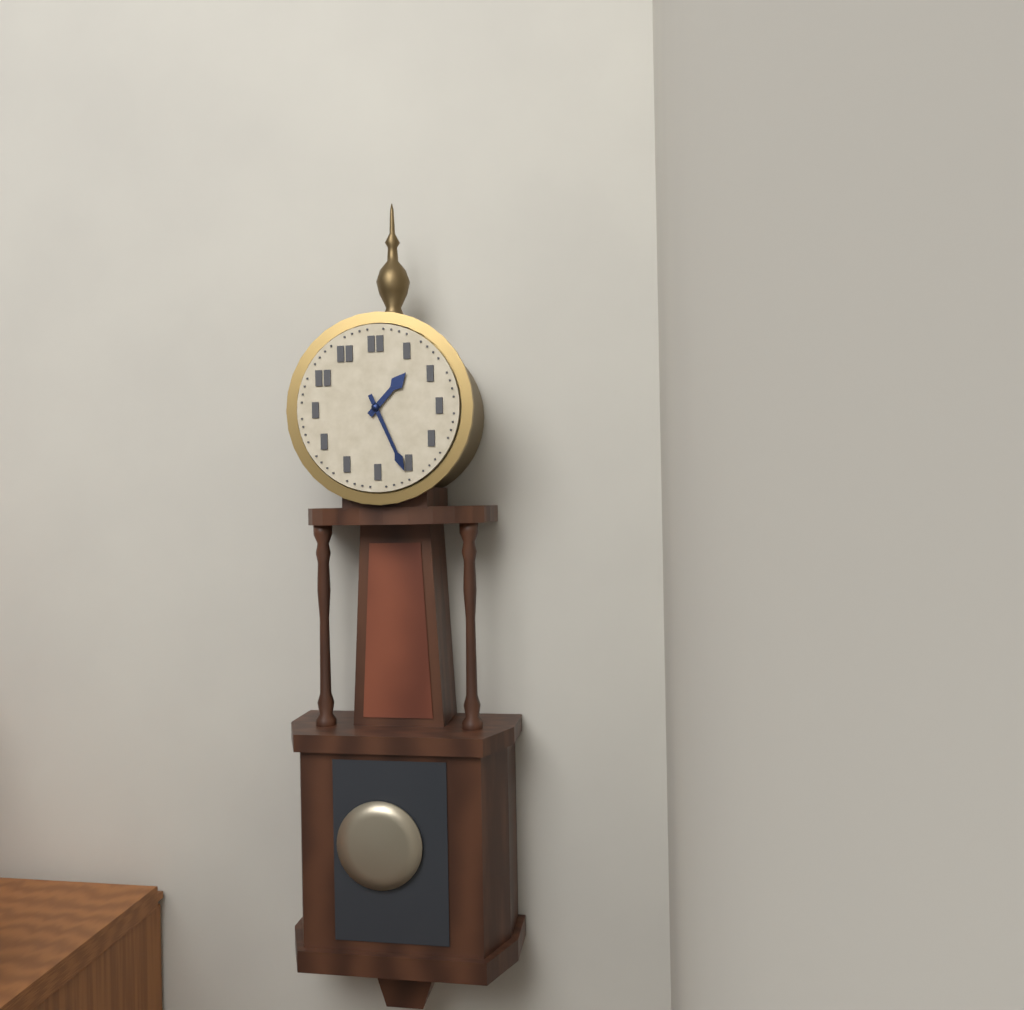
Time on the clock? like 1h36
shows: 1h26
